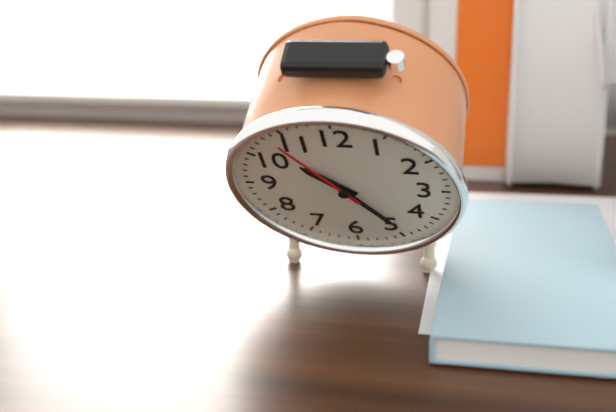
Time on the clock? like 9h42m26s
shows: 10h24m54s
